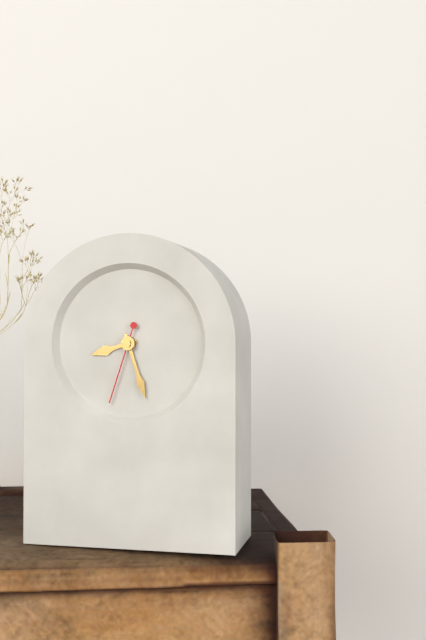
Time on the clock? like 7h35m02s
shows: 8h27m33s
